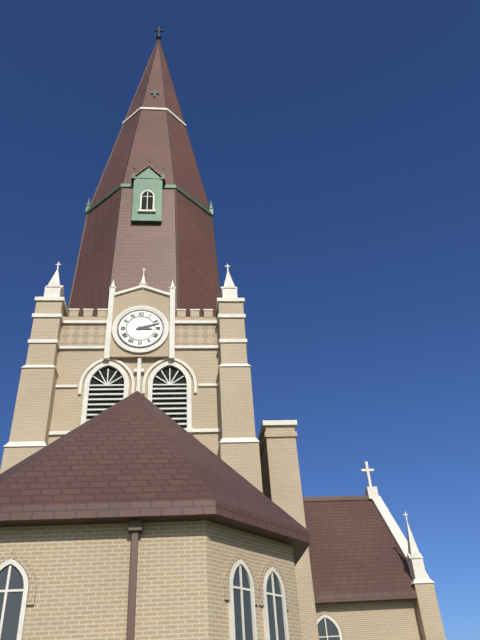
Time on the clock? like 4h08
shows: 3h12
